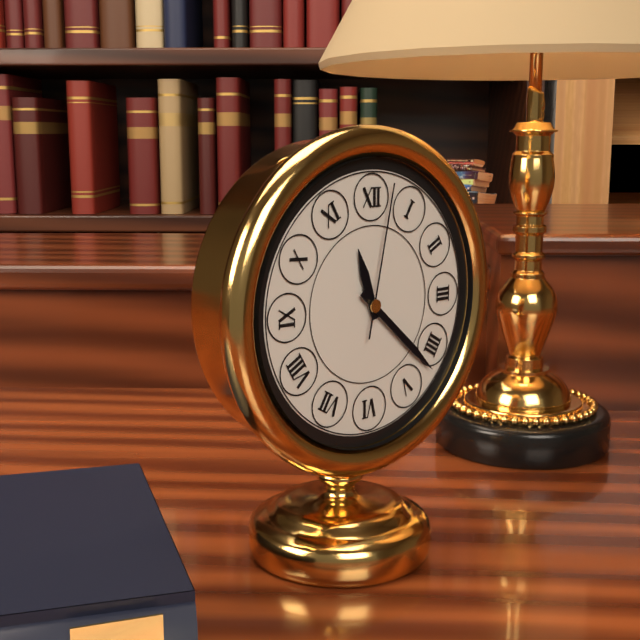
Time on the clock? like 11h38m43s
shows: 11h22m02s
